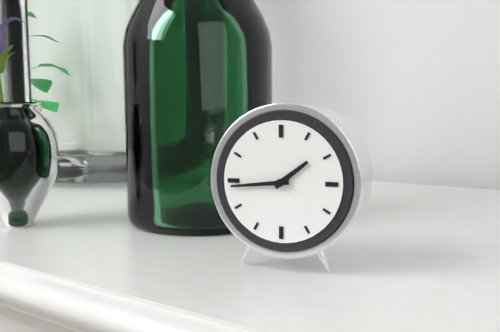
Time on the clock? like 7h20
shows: 1h44
